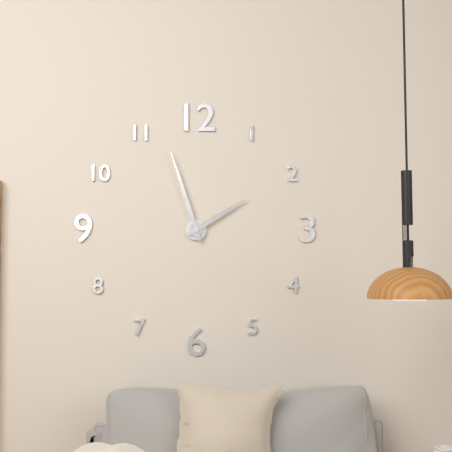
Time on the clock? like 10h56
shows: 1h57
